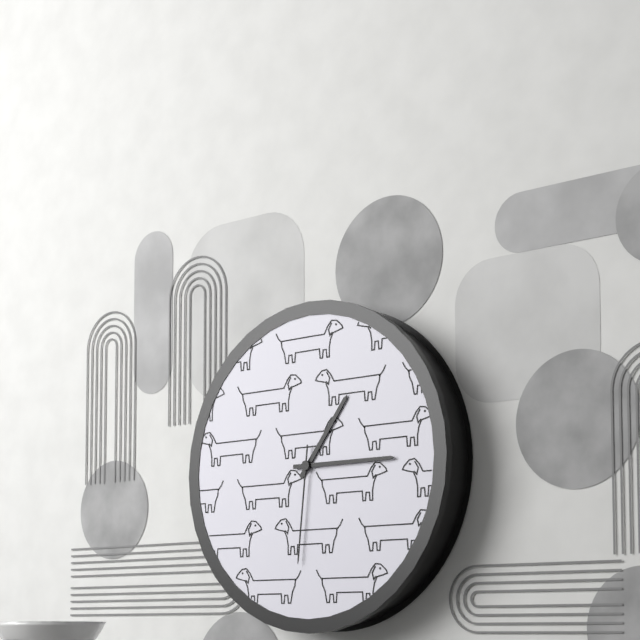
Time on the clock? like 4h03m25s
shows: 1h15m31s
